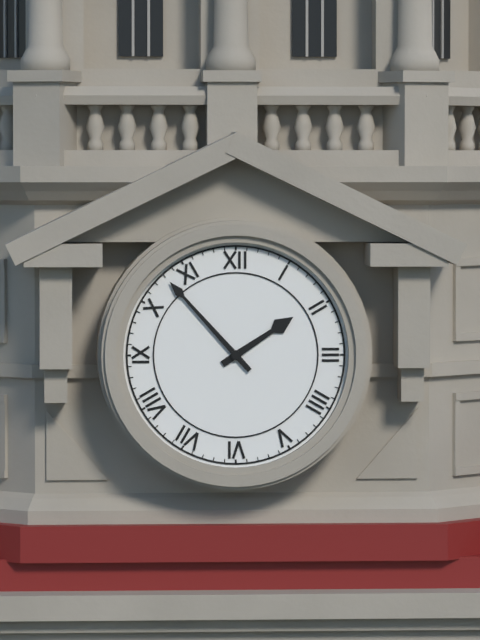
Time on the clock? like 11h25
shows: 1h53
